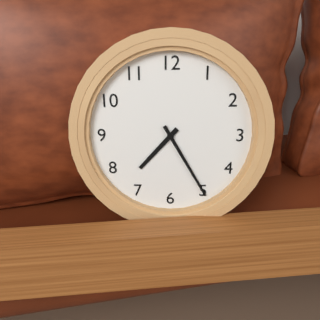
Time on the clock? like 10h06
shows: 7h25
